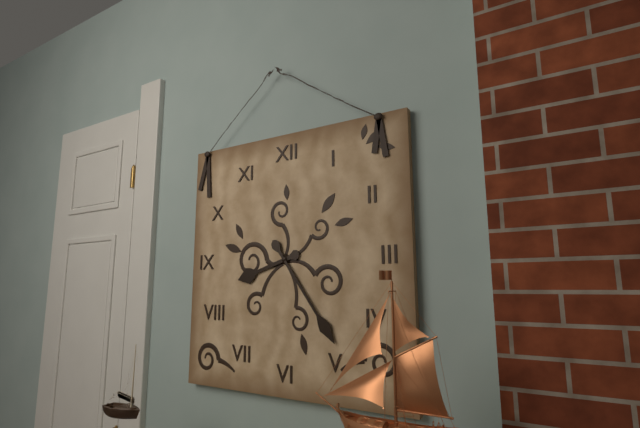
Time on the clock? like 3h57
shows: 8h24
